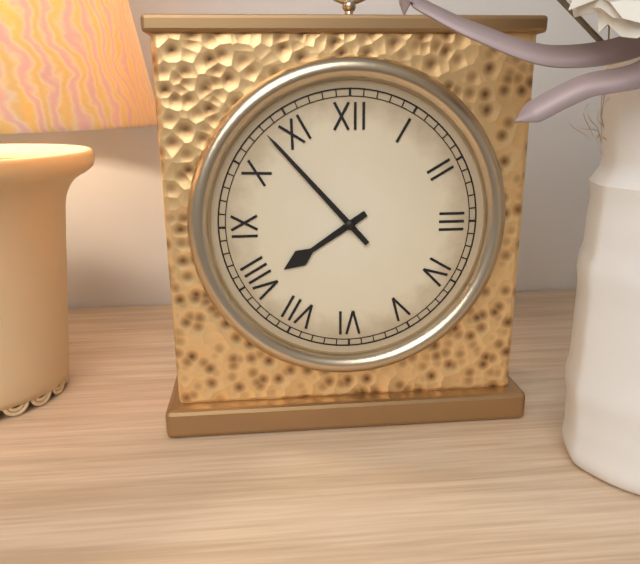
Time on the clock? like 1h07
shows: 7h53
